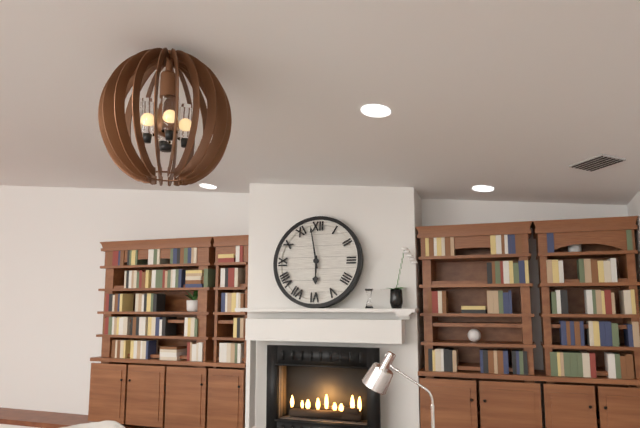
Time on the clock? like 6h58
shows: 5h58
